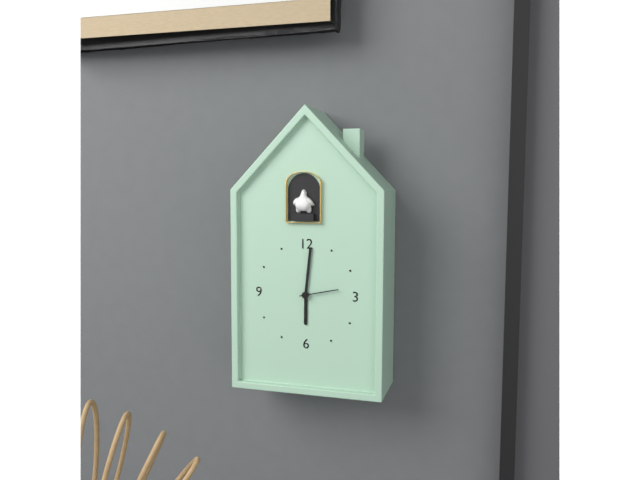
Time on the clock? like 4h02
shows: 6h01
